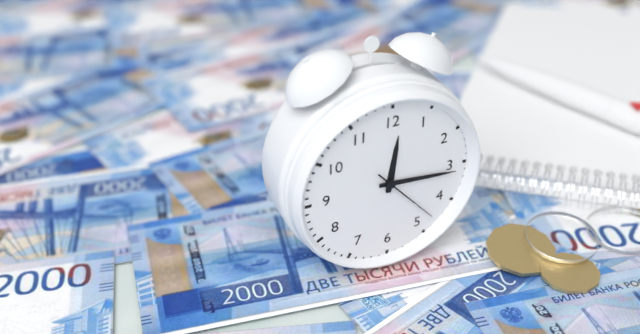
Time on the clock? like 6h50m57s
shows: 12h16m23s
